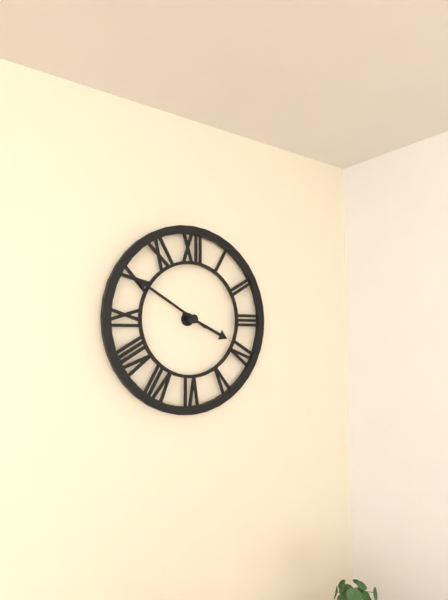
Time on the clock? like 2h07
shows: 3h50
